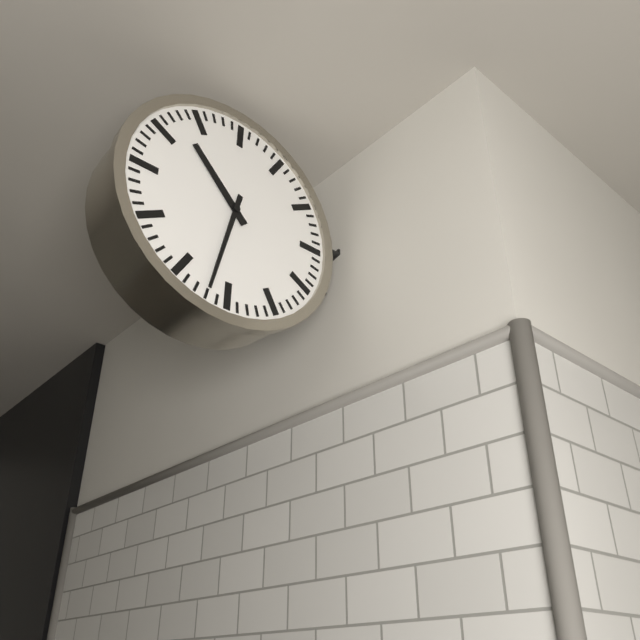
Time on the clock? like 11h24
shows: 10h32
